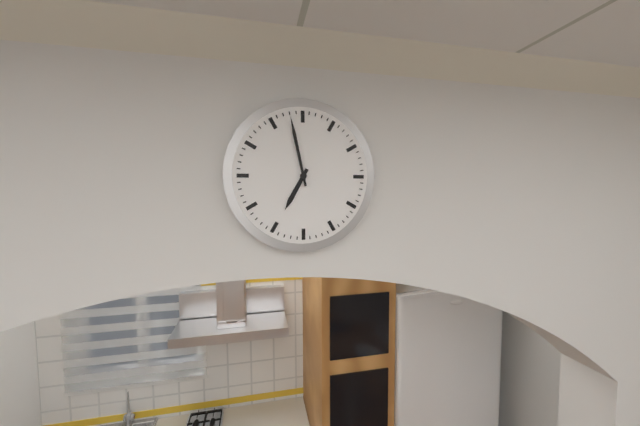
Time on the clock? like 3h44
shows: 6h58
